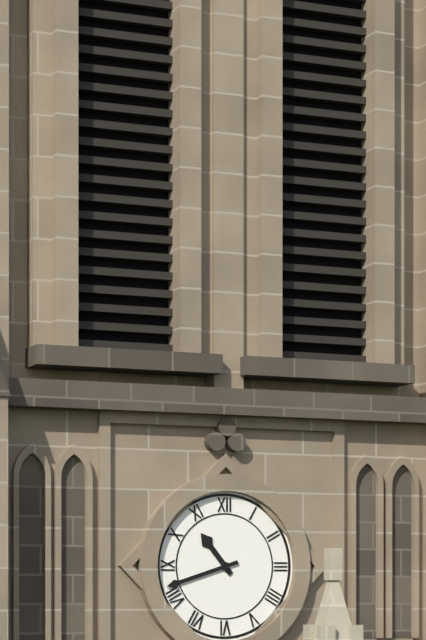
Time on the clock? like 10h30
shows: 10h42
